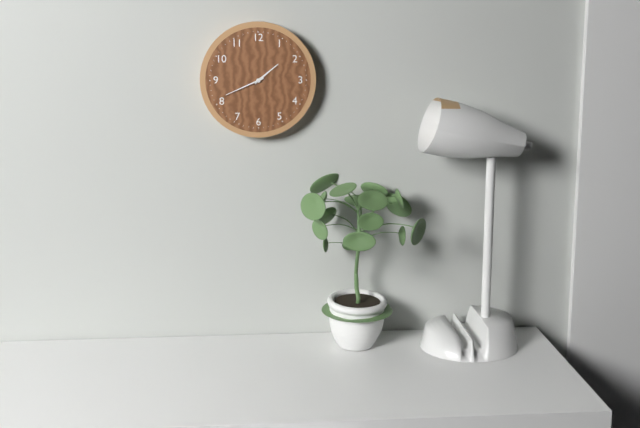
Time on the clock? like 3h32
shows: 1h41
